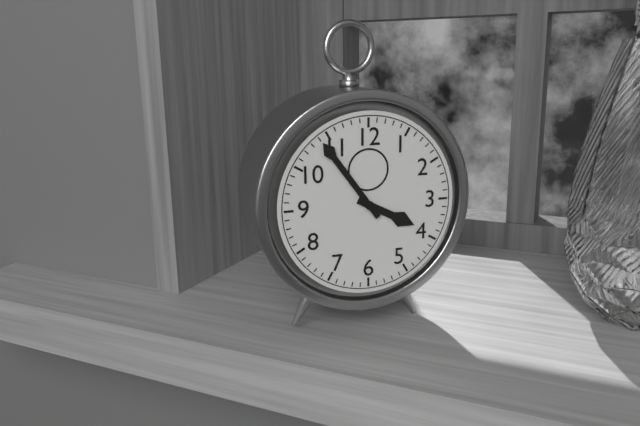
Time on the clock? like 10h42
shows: 3h54
